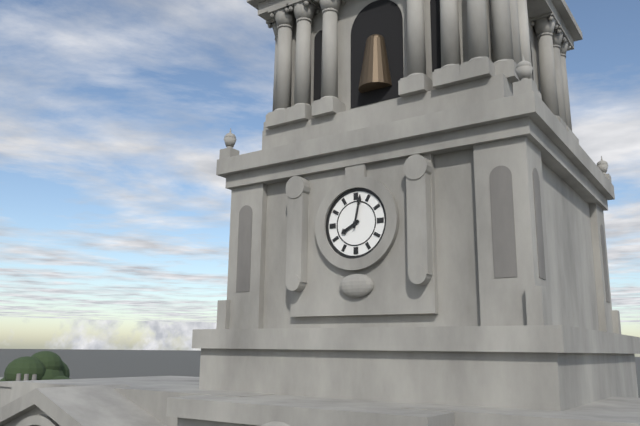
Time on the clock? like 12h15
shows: 8h02
